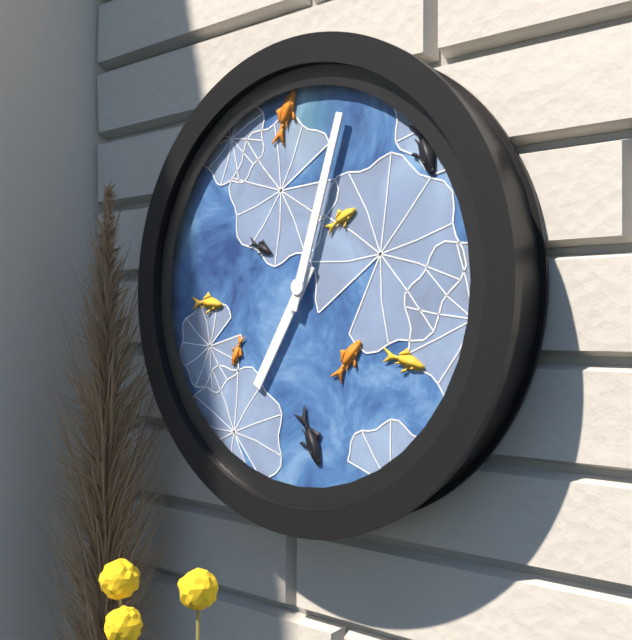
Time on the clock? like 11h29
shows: 7h03
